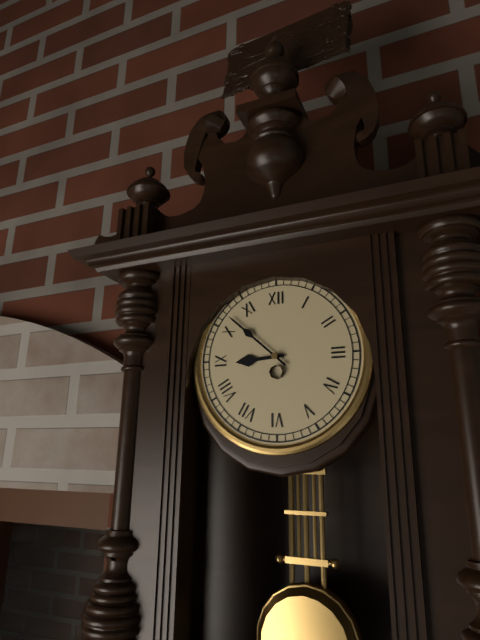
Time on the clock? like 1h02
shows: 8h52
